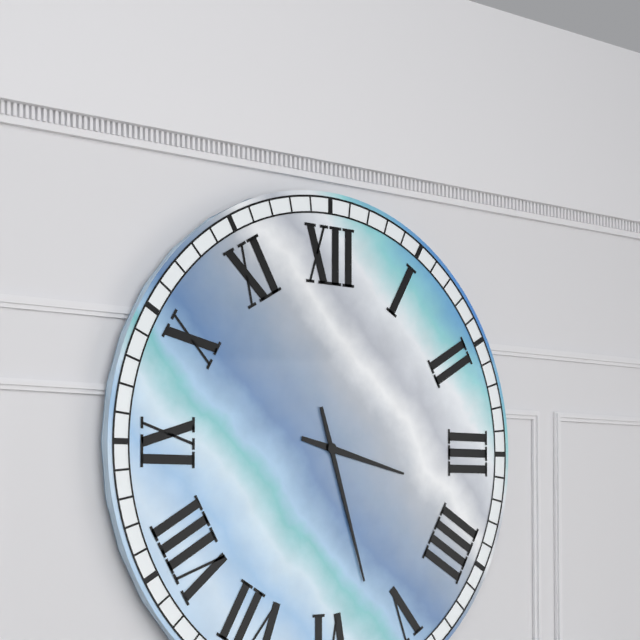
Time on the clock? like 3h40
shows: 3h27
